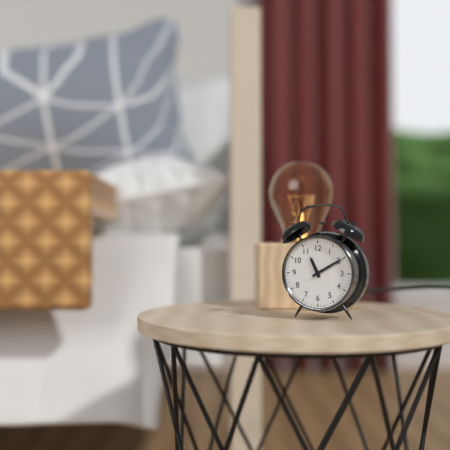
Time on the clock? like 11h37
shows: 11h10
